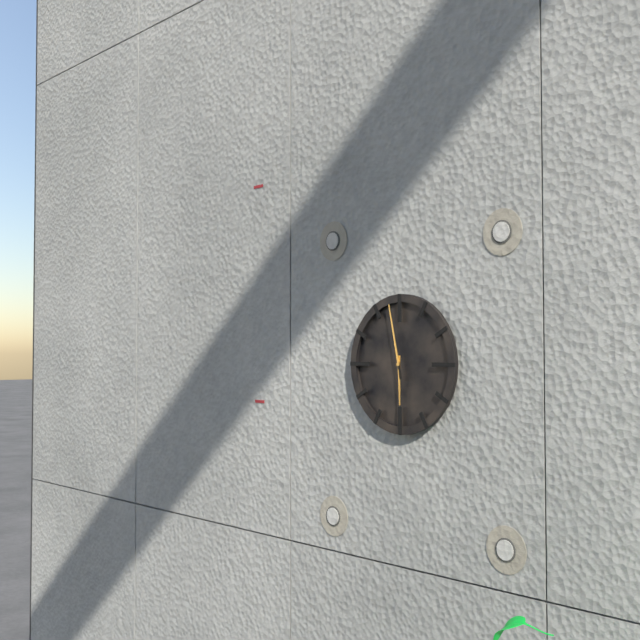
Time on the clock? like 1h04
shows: 5h58
